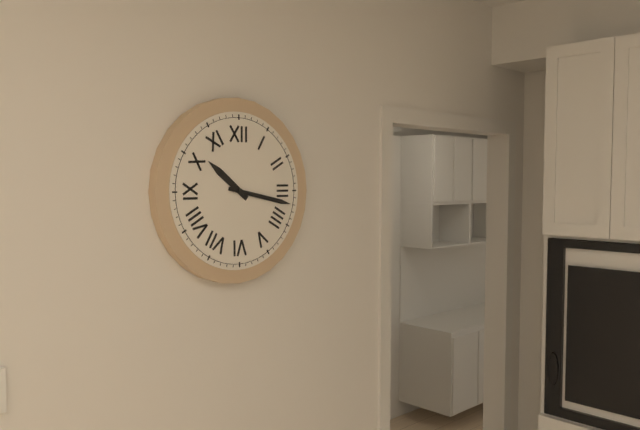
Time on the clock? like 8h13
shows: 10h17
